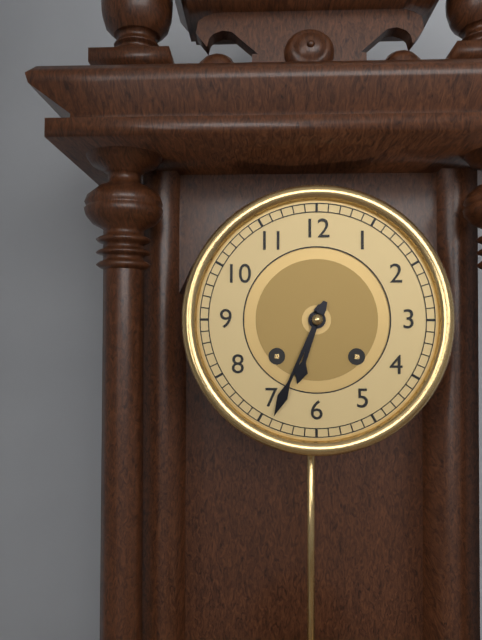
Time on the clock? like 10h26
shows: 6h34
